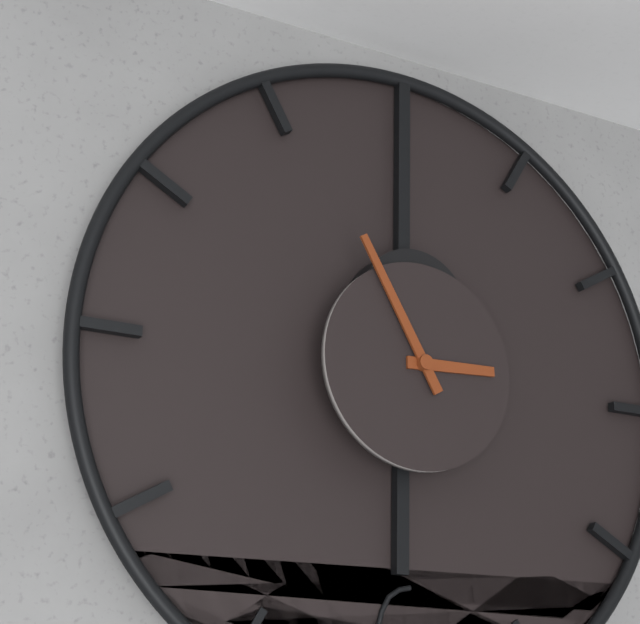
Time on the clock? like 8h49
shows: 2h55
